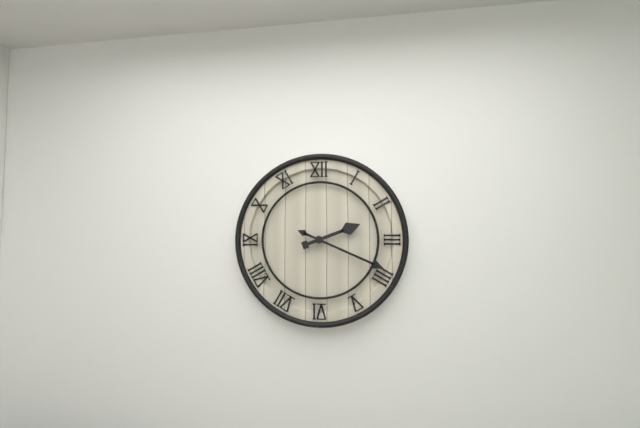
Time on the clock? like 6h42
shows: 2h19
